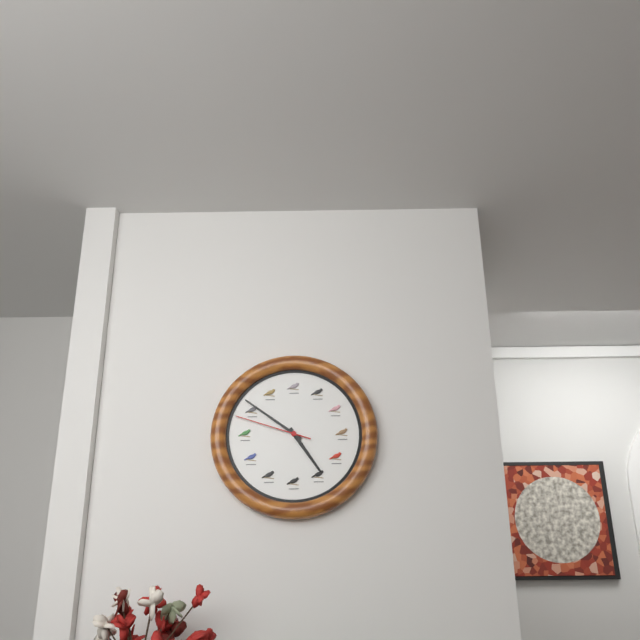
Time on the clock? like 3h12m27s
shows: 4h51m48s
